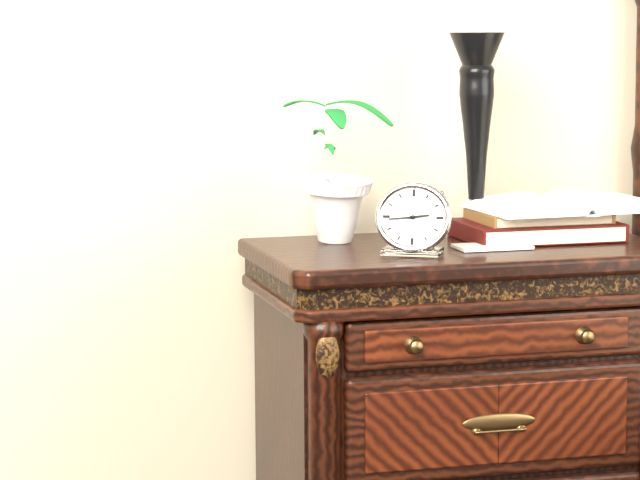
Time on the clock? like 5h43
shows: 2h44
